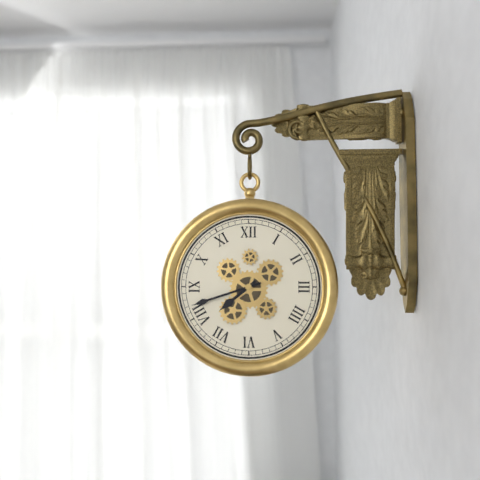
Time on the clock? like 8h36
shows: 7h42
